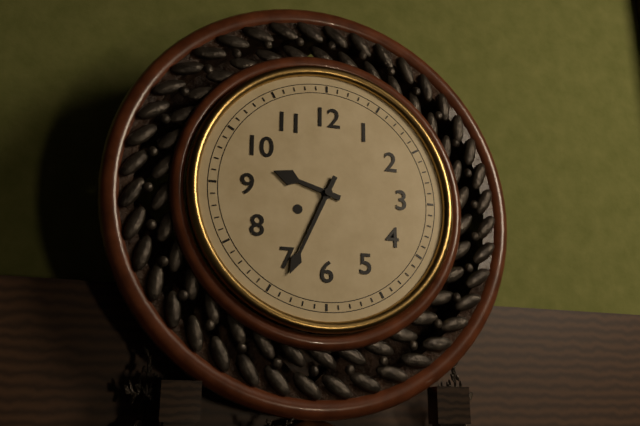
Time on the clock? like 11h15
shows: 9h34
